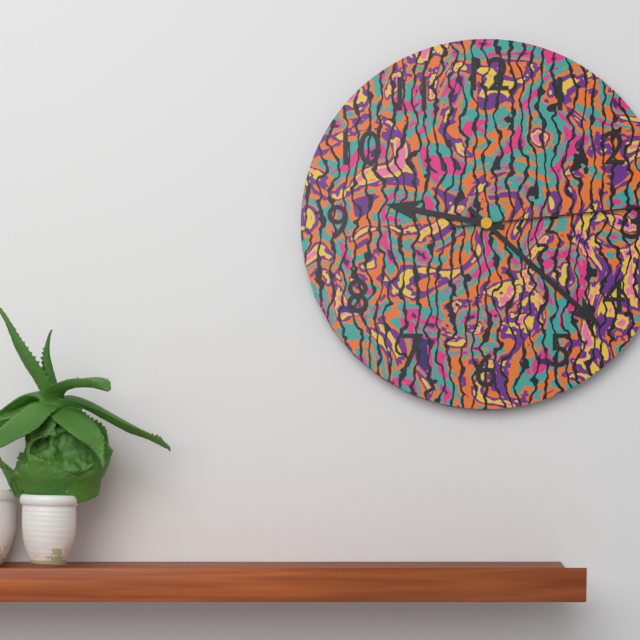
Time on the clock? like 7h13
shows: 9h22
